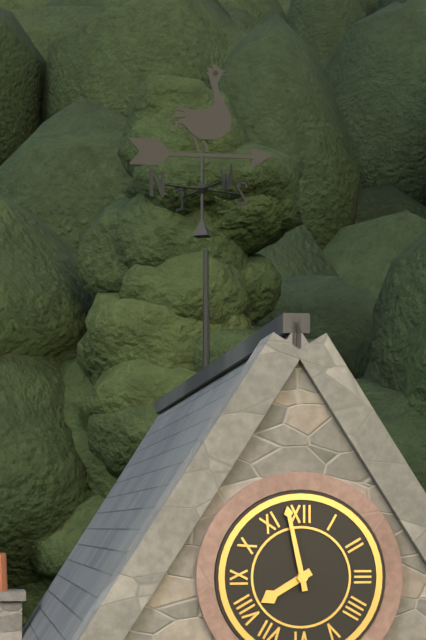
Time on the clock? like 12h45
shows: 7h58
